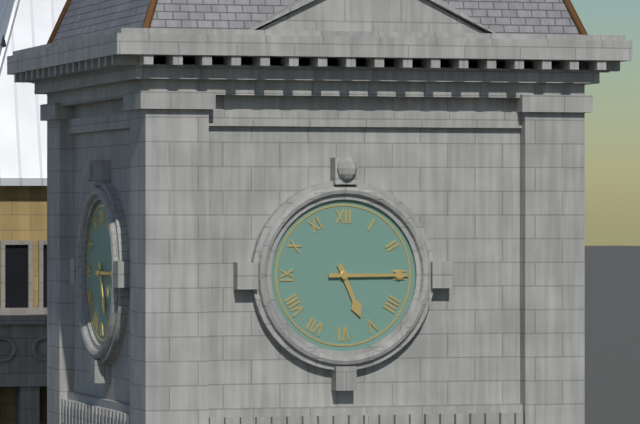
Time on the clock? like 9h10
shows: 5h15
